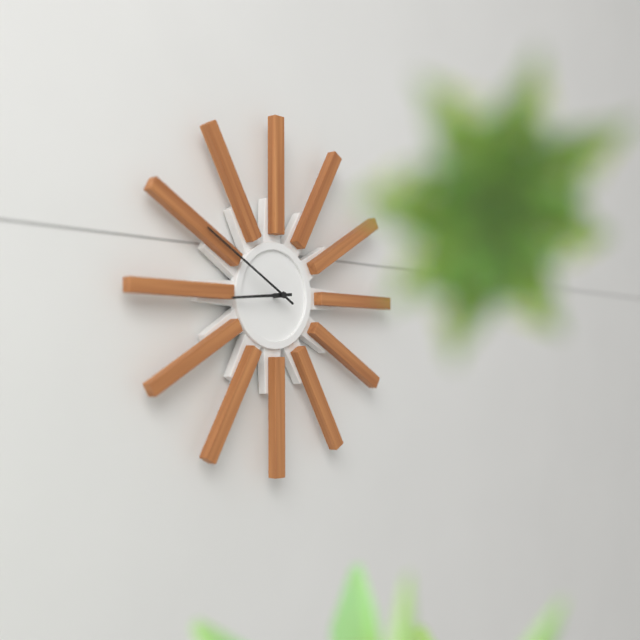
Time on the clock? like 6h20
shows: 8h50
